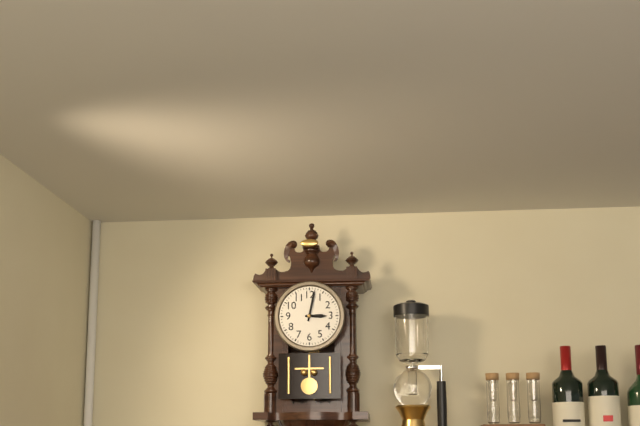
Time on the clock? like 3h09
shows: 3h02
